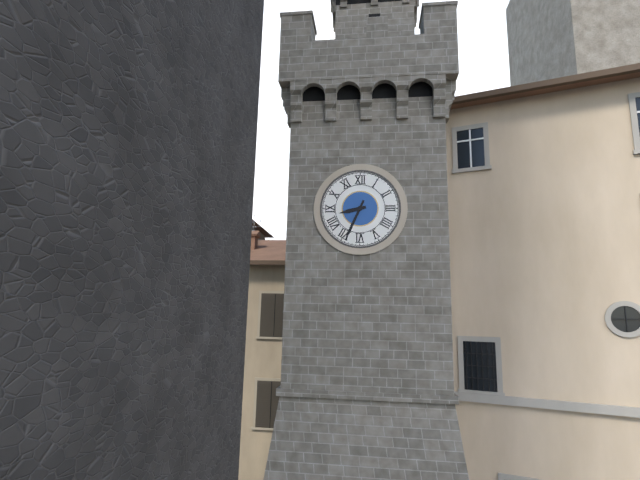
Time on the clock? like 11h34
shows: 8h34
